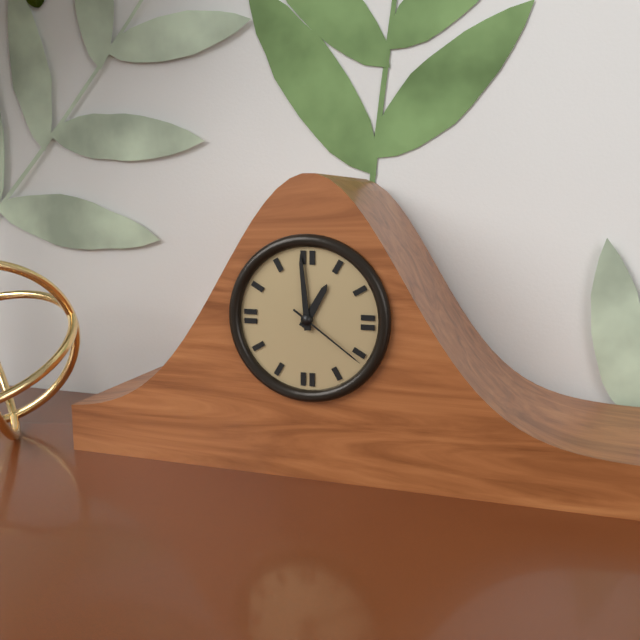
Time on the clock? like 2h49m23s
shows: 12h59m21s
